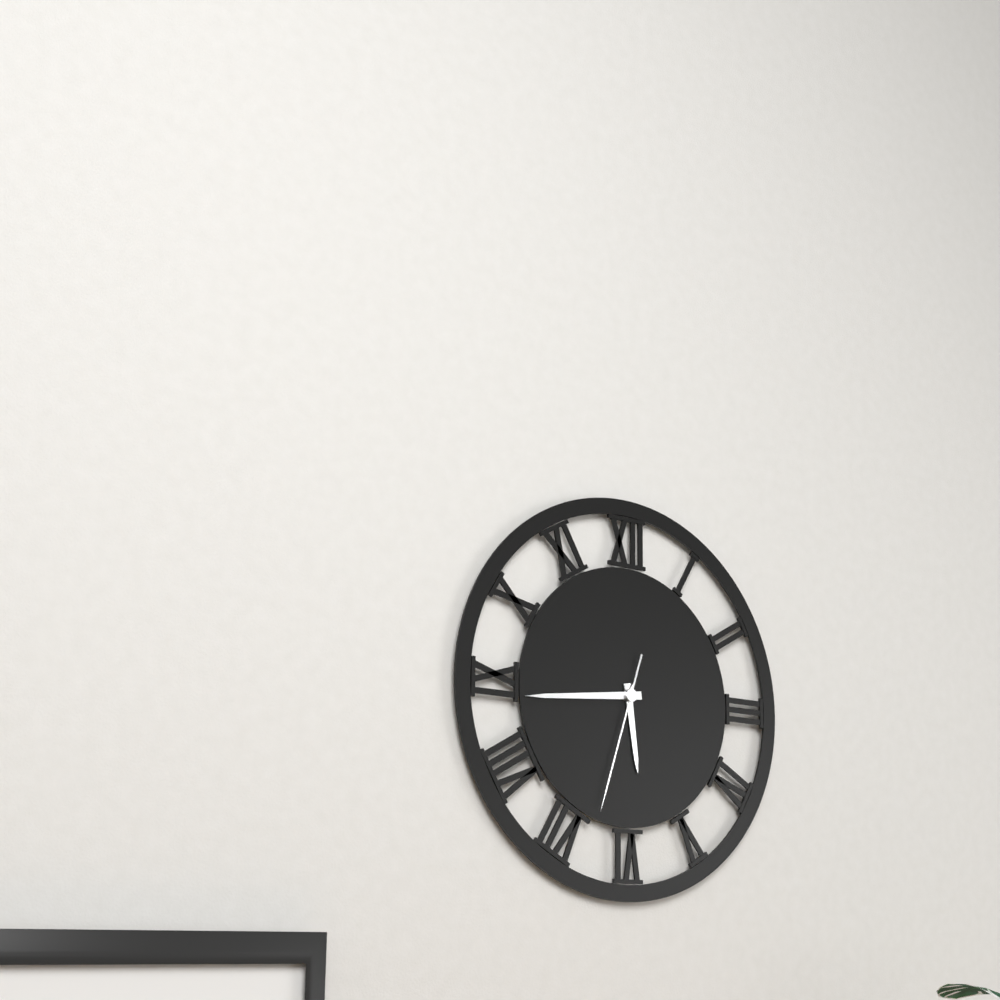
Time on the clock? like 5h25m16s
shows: 5h44m33s
